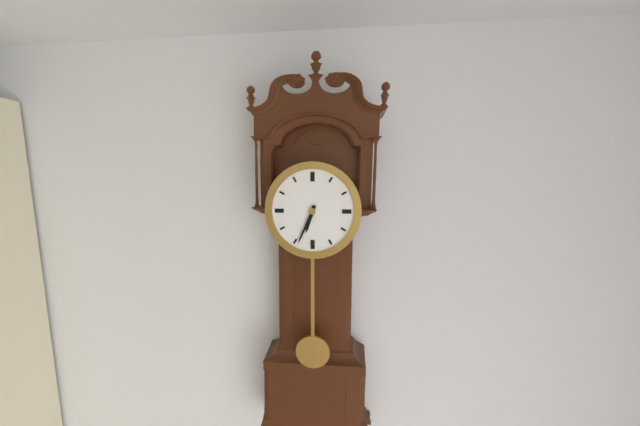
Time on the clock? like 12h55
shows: 6h34
